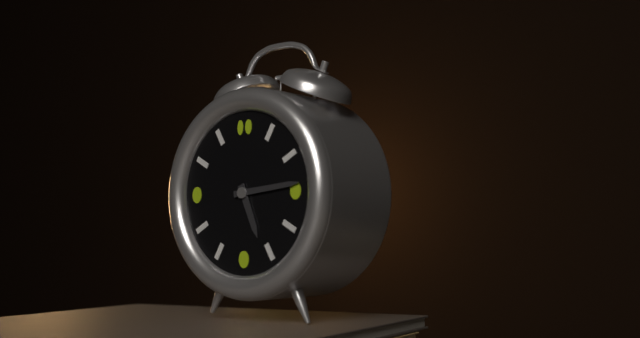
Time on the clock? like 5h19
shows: 5h14
